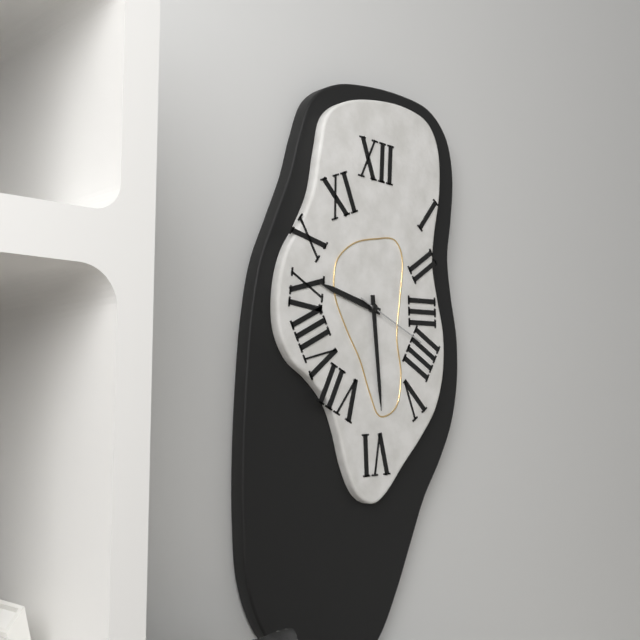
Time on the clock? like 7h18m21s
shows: 9h29m19s
